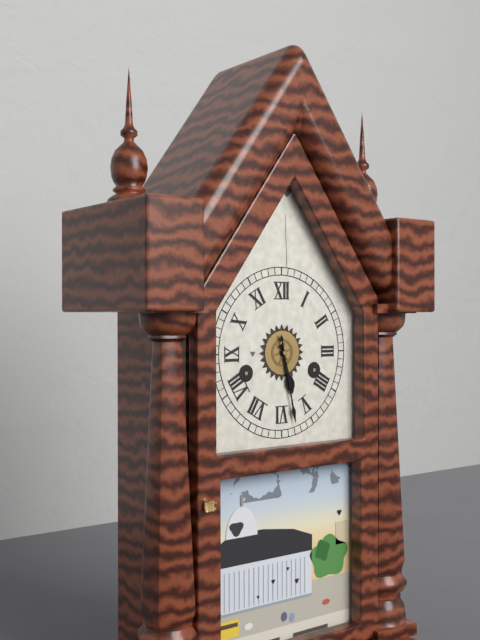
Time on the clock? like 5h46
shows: 5h28
